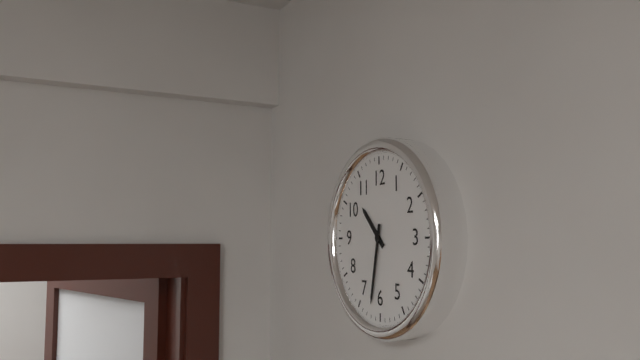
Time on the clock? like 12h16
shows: 10h32
